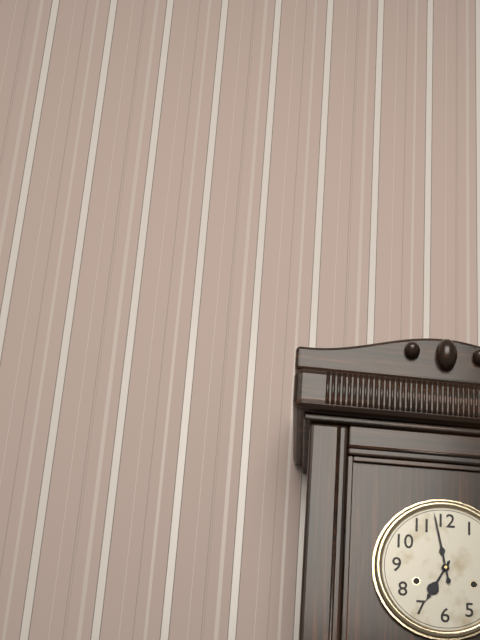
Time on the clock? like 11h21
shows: 6h58
